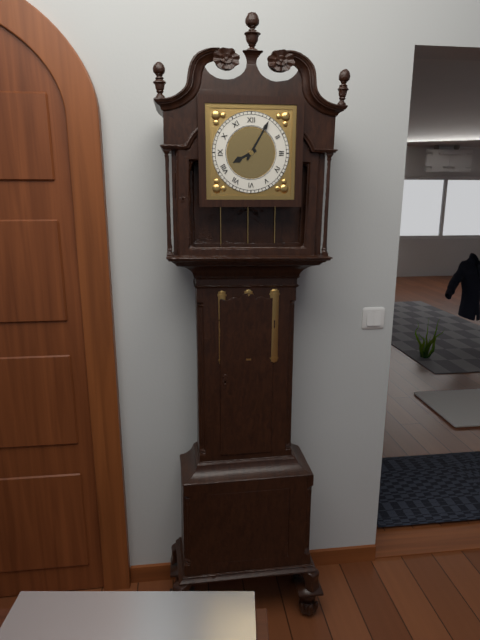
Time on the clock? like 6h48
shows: 8h05
